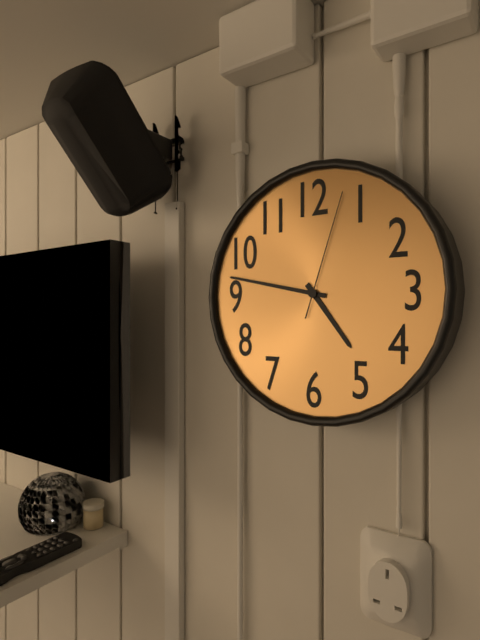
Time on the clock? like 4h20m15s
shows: 4h47m03s
